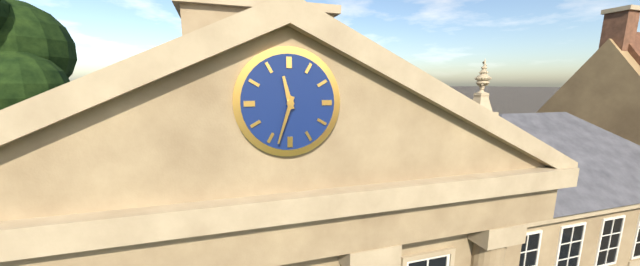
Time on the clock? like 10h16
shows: 11h33
